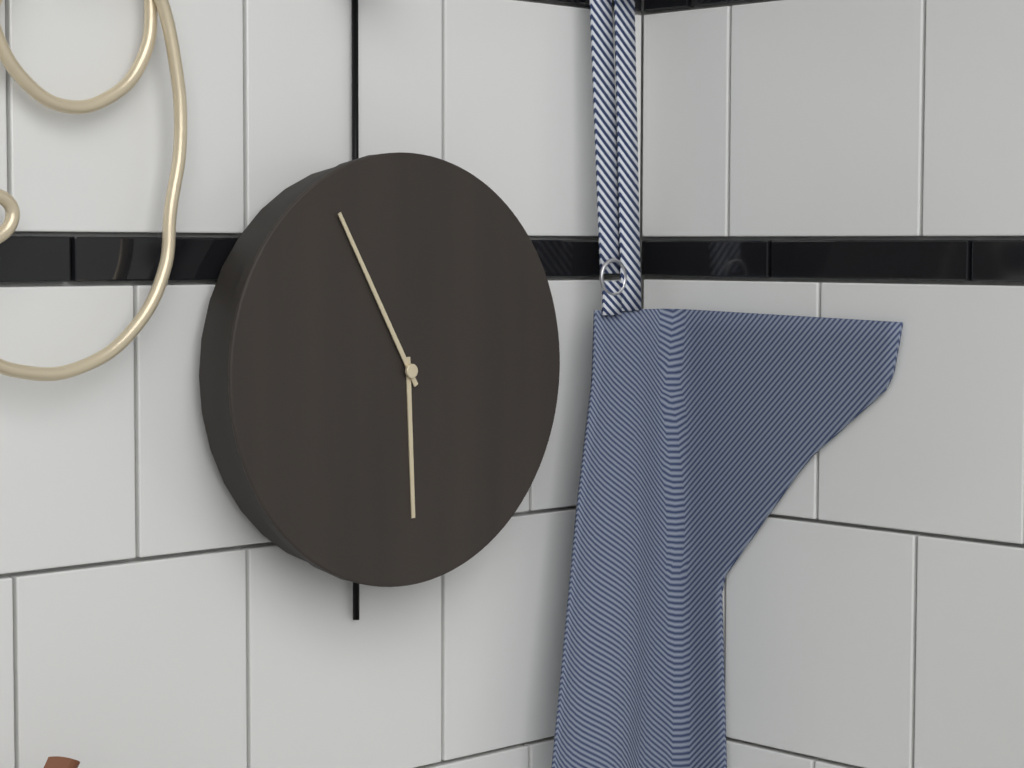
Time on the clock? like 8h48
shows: 5h55
